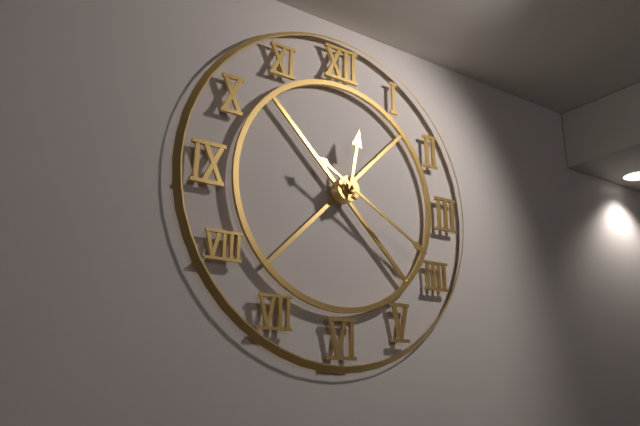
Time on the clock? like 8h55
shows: 12h20
